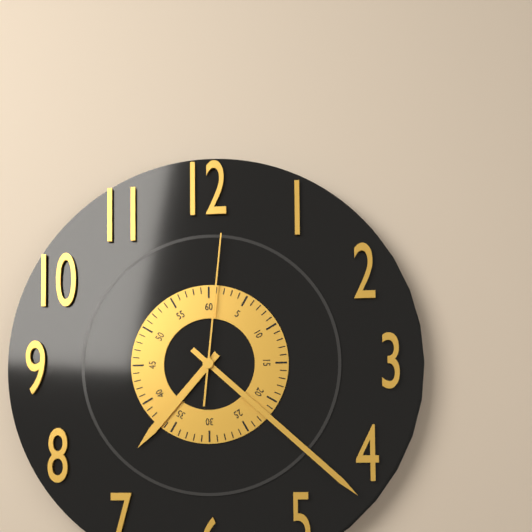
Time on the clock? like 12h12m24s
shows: 7h22m01s
